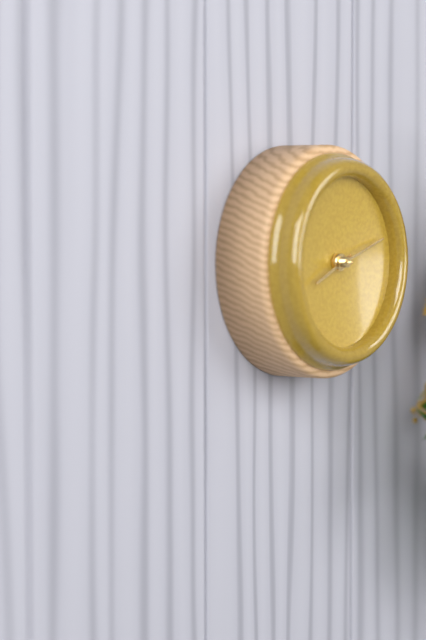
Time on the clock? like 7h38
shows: 8h12
